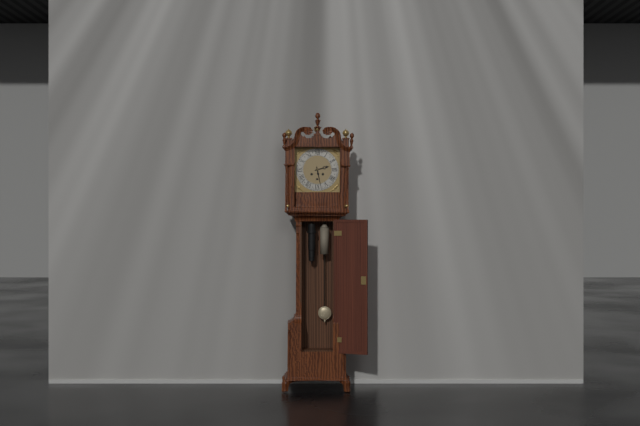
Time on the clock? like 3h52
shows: 2h28
